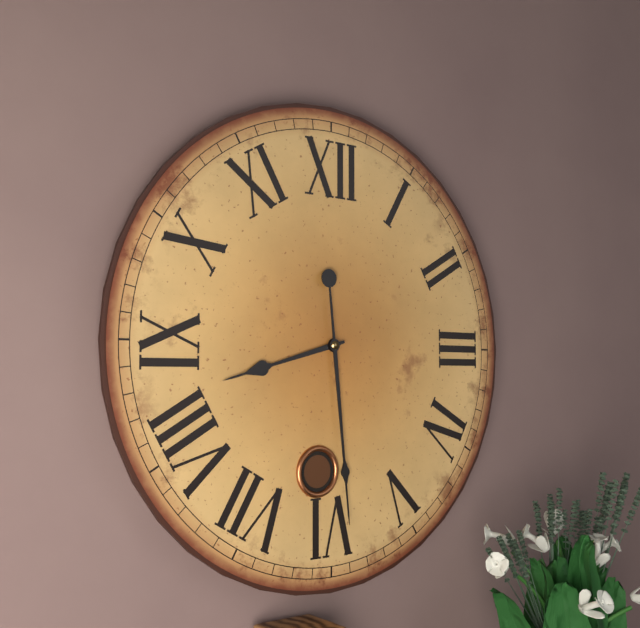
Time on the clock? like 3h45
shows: 8h29
